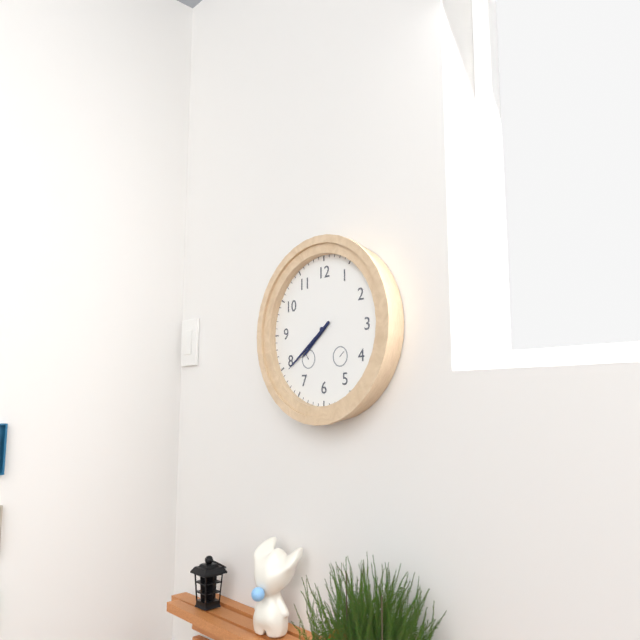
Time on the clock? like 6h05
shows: 7h39
